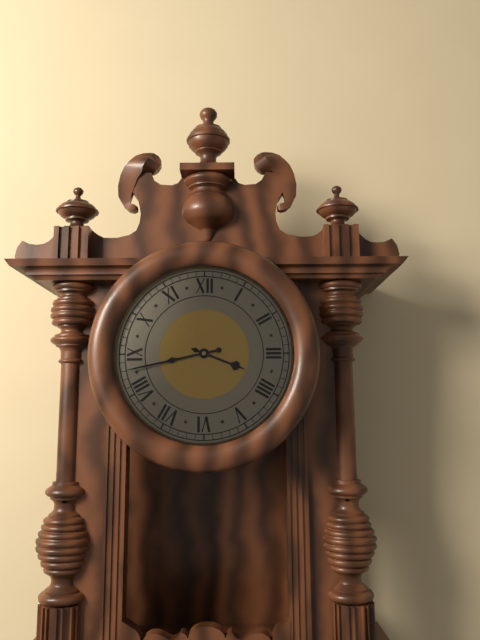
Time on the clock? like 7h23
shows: 3h43
